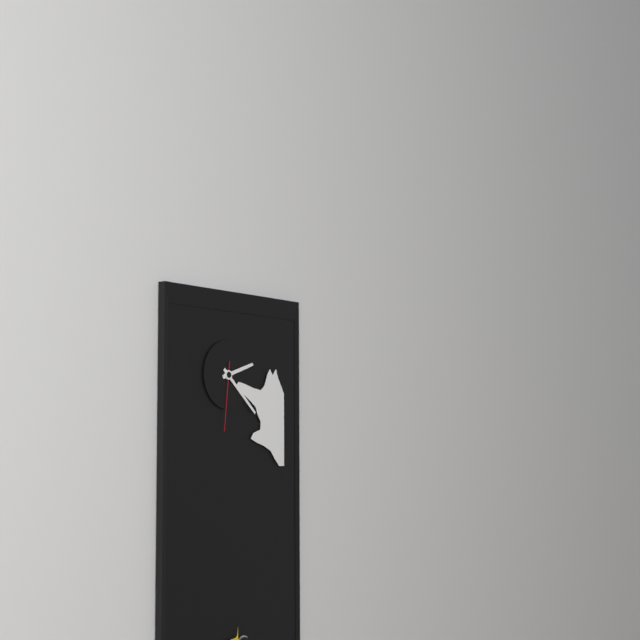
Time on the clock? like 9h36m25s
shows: 2h22m31s
